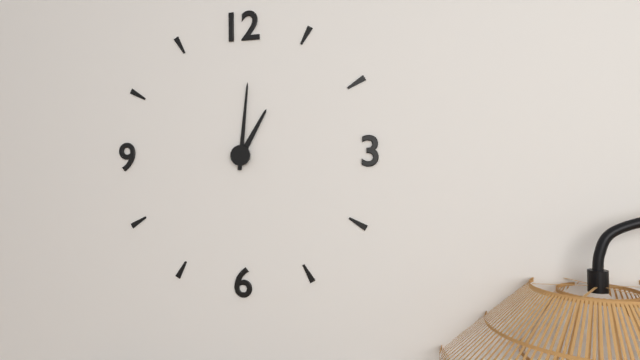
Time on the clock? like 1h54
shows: 1h01
